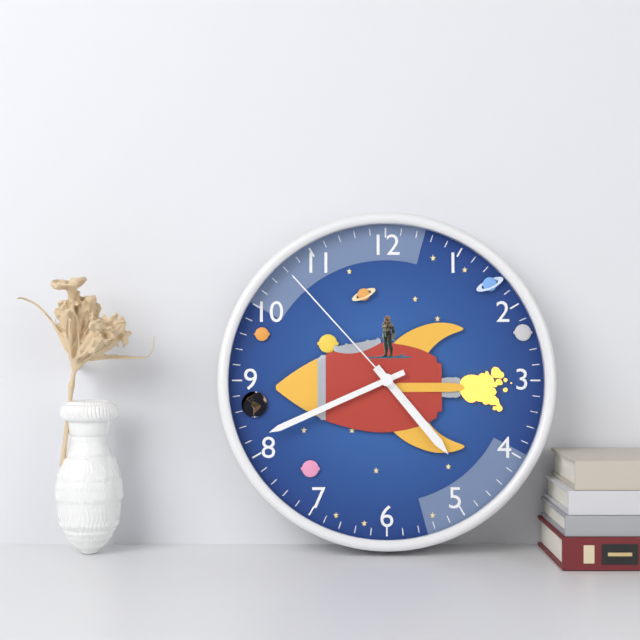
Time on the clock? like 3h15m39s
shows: 4h41m53s
